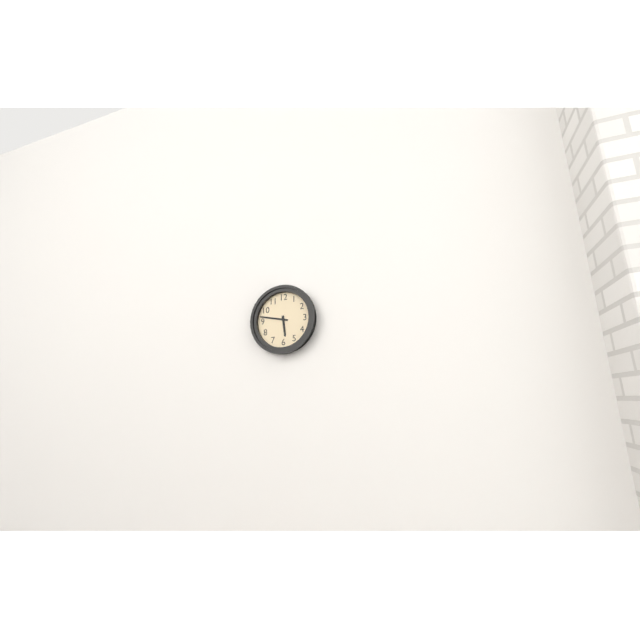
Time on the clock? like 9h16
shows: 5h47
